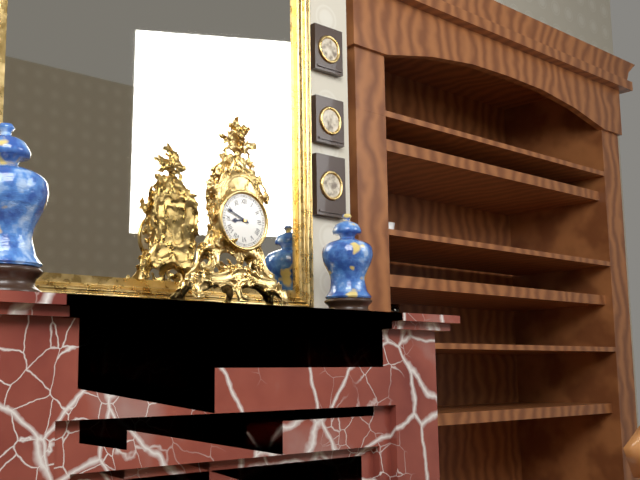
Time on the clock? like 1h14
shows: 8h49
